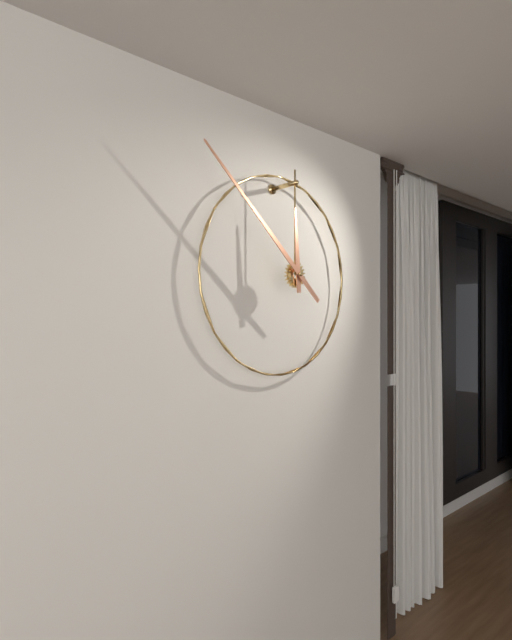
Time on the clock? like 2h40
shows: 11h52
